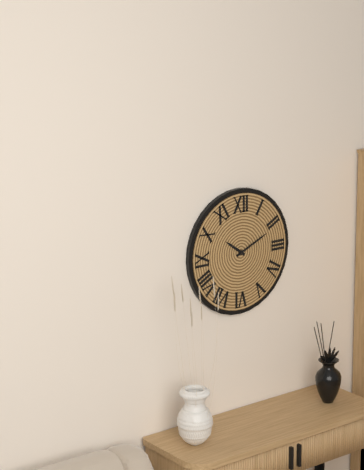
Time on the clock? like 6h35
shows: 10h11
